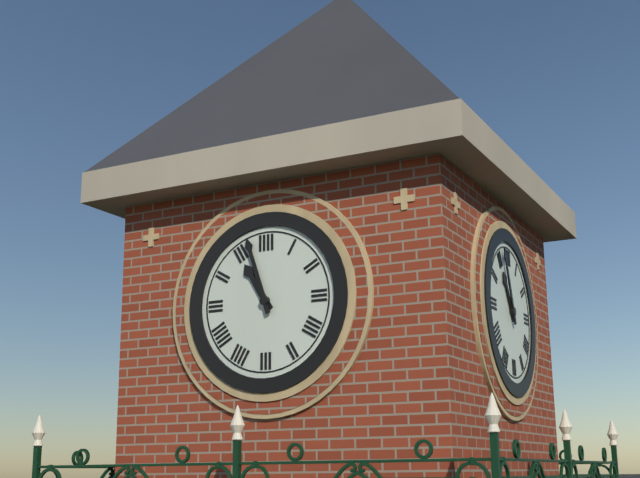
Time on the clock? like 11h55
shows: 10h57
